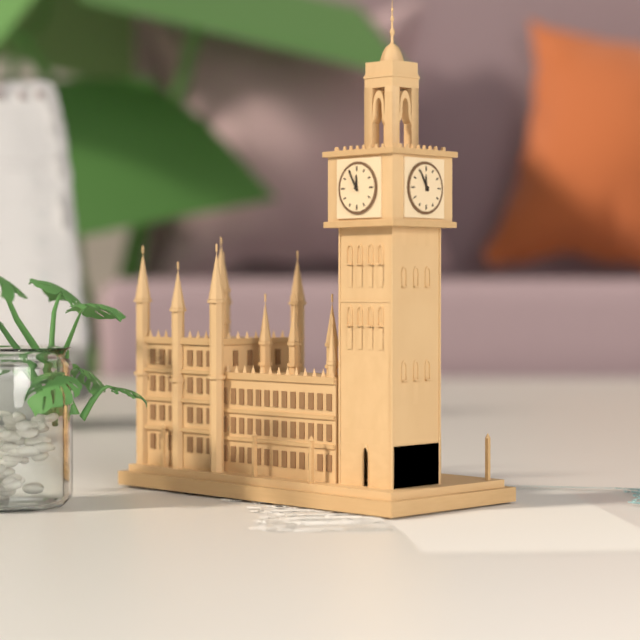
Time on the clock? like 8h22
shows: 11h55
